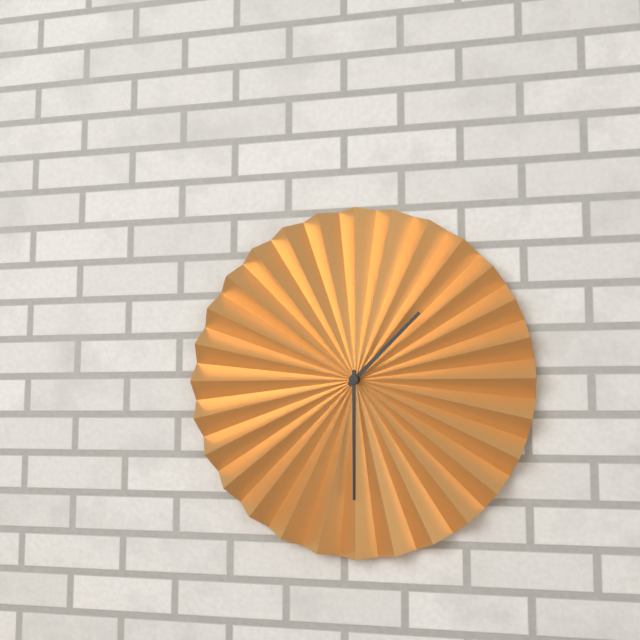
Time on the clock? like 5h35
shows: 1h30
